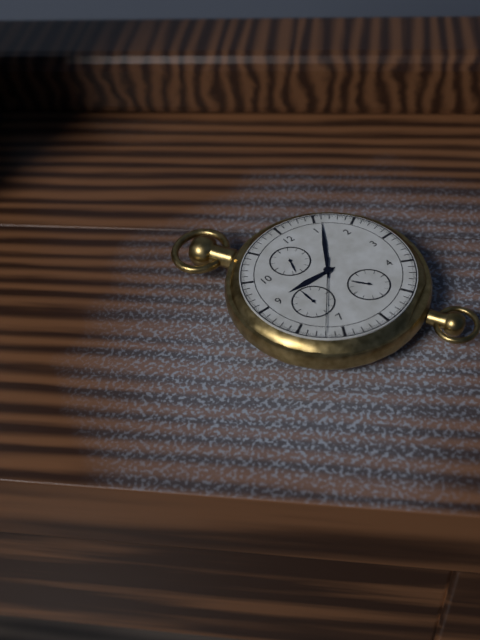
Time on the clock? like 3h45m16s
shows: 9h06m37s
